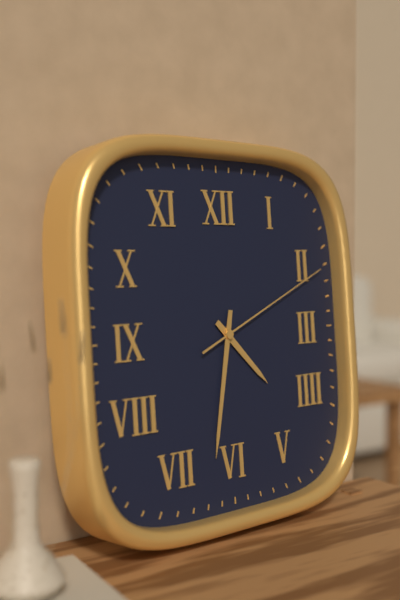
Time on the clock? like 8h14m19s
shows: 4h32m11s
